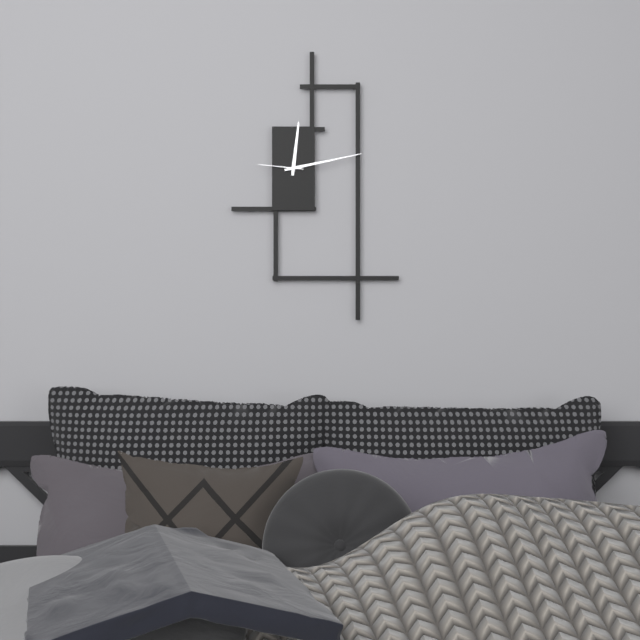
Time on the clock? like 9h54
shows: 12h13
